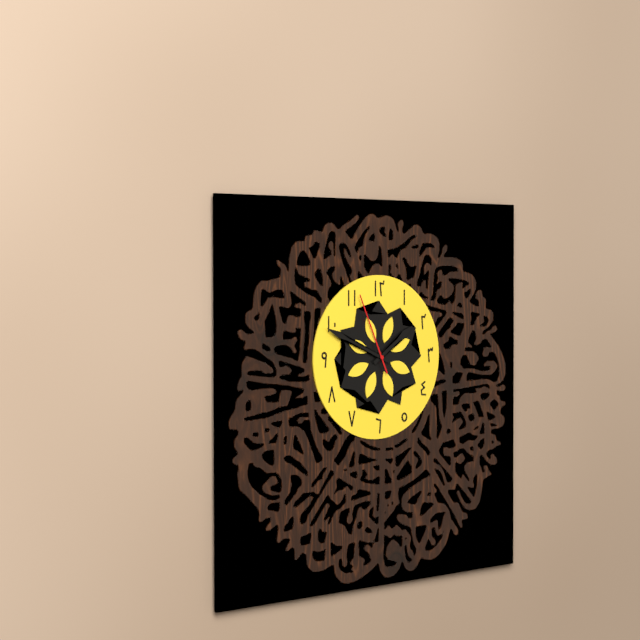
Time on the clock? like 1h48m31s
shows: 1h49m56s
